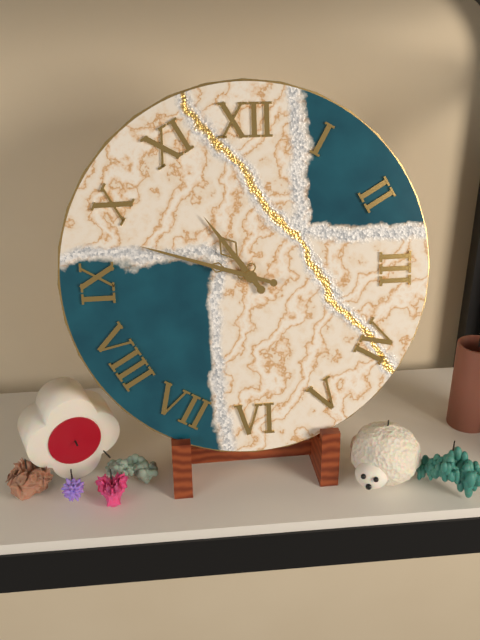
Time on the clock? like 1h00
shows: 10h48
